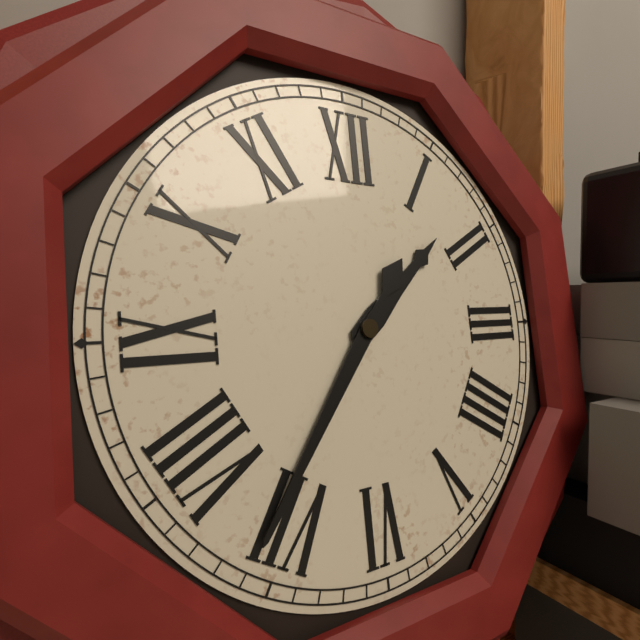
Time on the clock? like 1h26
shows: 1h36
